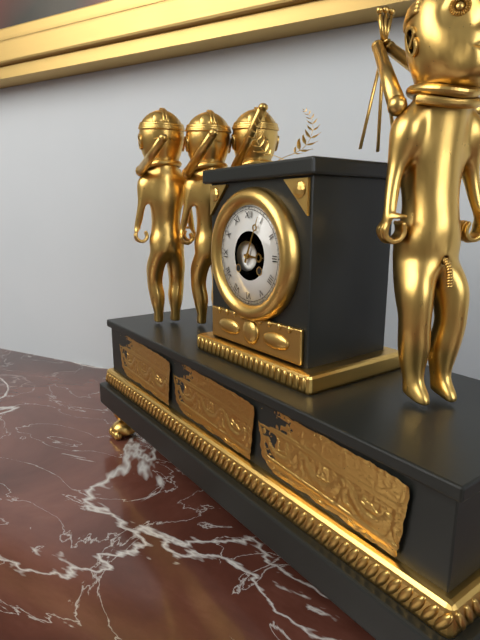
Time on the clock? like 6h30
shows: 3h04
